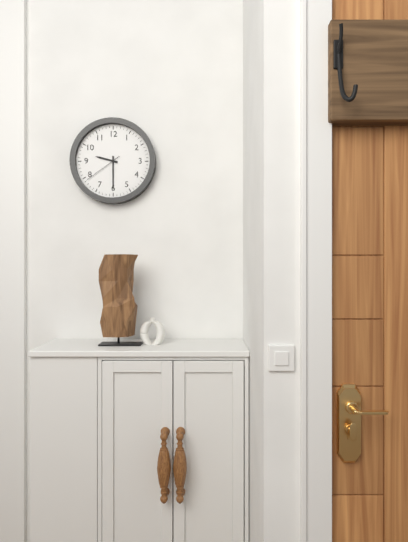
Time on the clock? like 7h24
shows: 9h30
